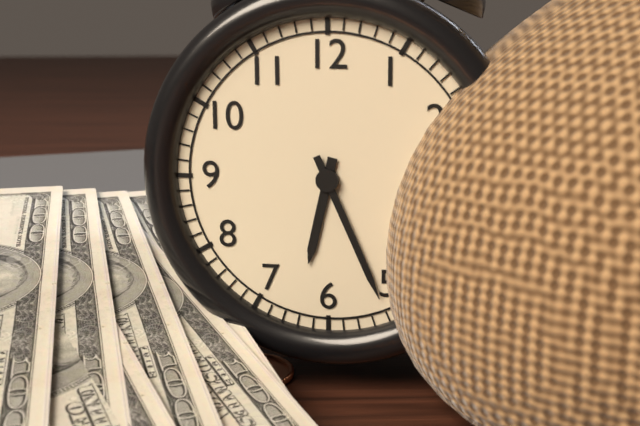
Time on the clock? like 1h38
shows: 6h26
